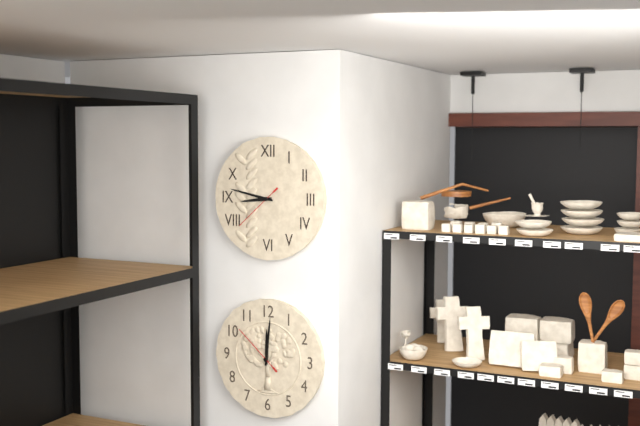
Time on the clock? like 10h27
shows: 8h47
